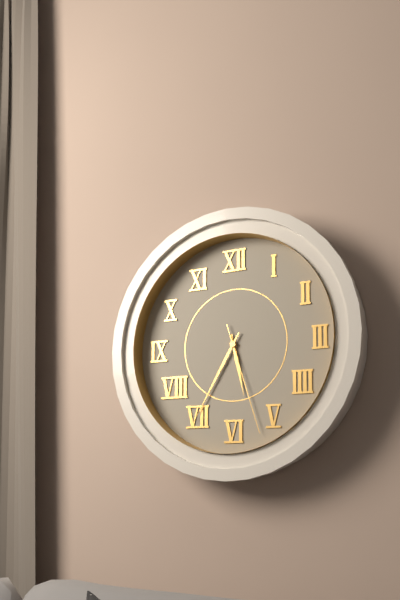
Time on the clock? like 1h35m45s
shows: 5h35m27s
